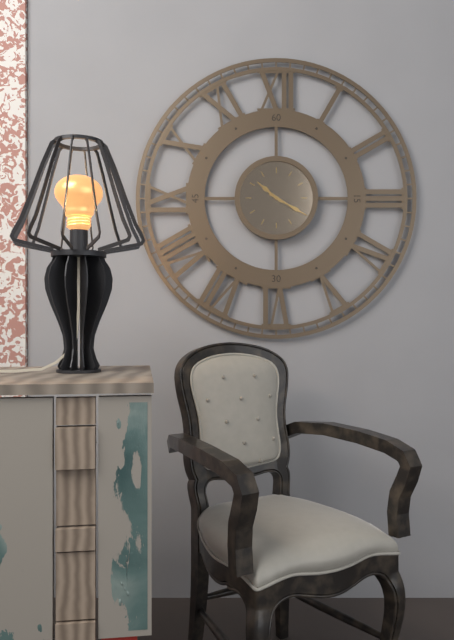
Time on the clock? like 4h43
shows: 10h20
